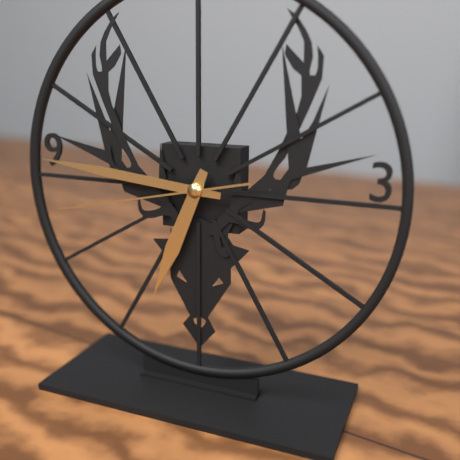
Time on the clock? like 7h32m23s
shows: 6h46m43s
